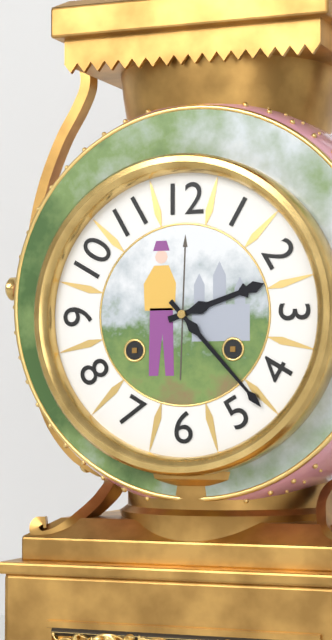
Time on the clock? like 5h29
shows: 2h23
